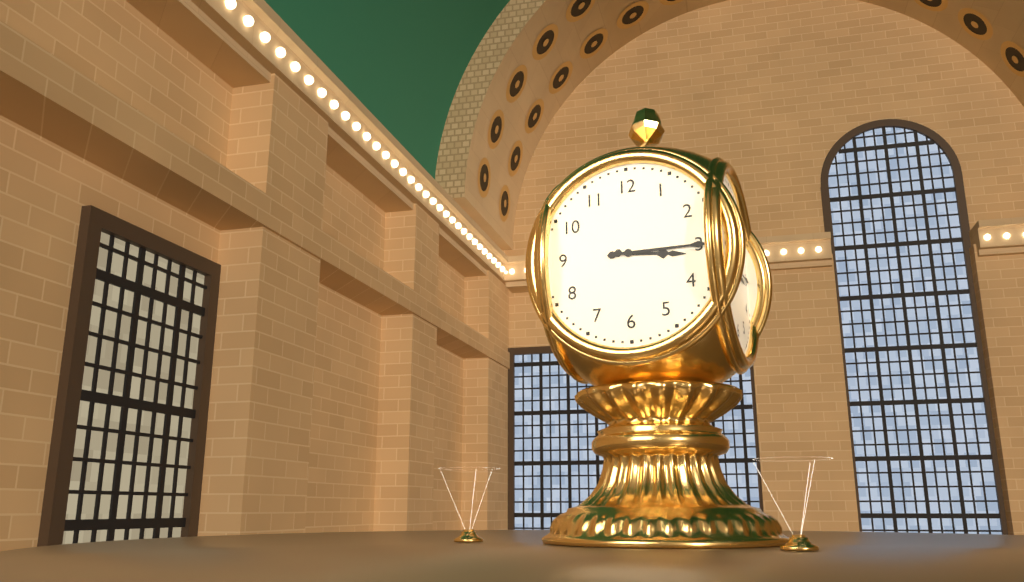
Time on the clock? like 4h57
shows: 3h15
